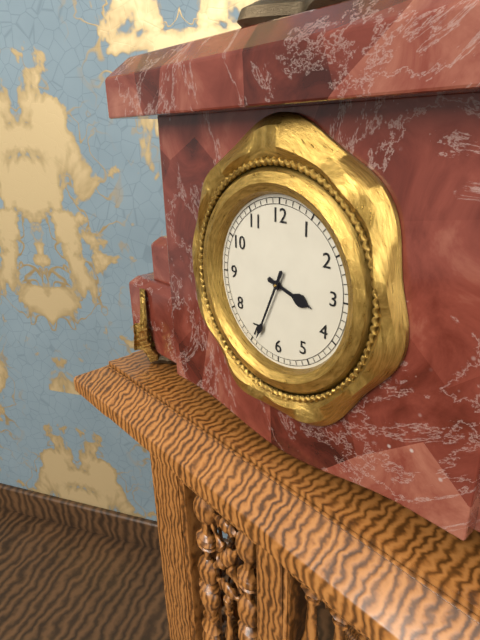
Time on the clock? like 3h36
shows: 3h34
